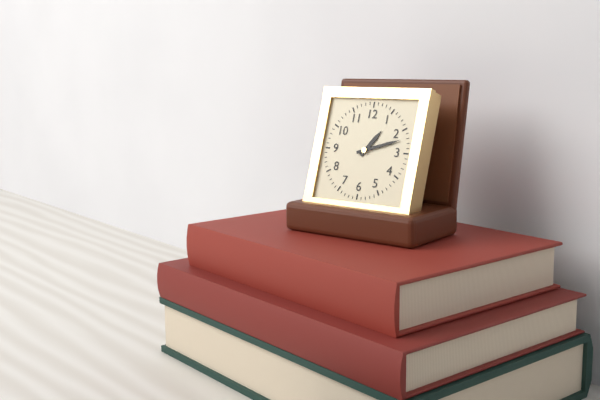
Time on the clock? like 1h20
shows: 1h12
